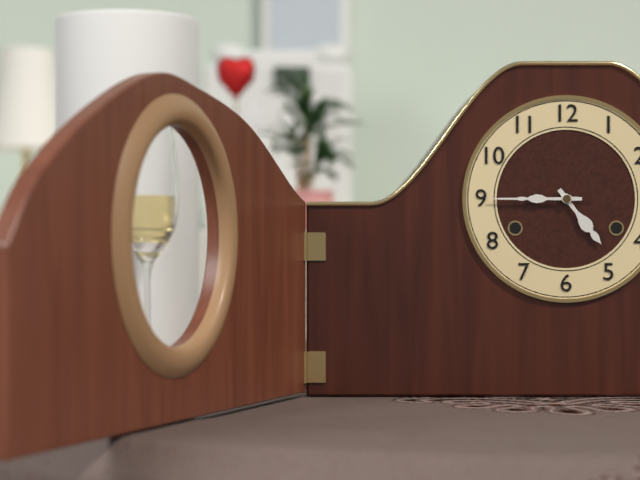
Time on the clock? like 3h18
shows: 4h45
